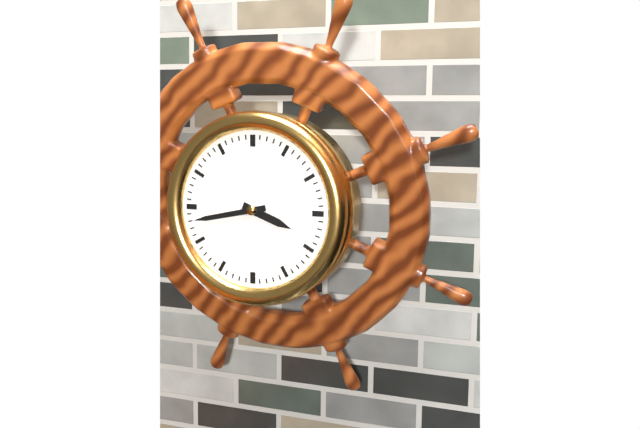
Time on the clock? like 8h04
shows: 3h43
